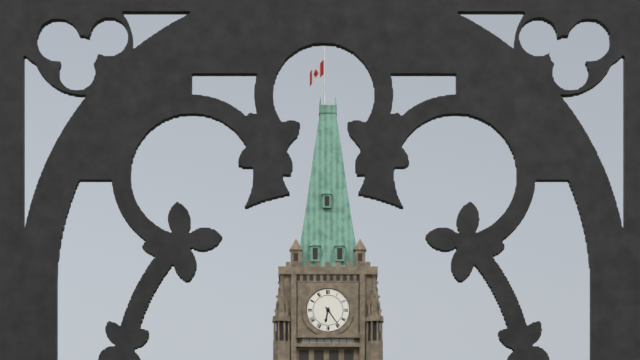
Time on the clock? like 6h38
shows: 6h24
